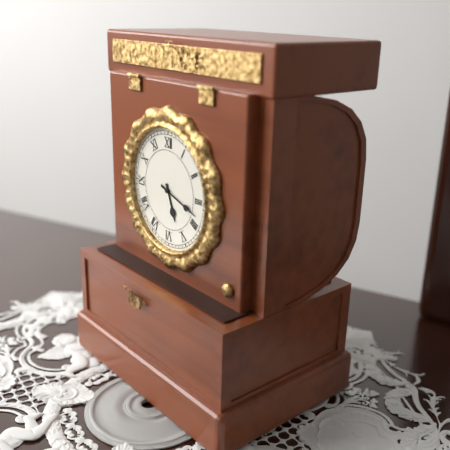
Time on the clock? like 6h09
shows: 5h18
